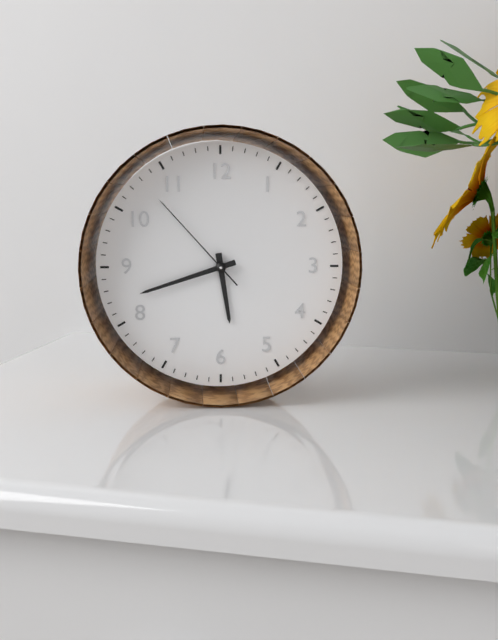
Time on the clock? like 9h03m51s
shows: 5h42m53s
